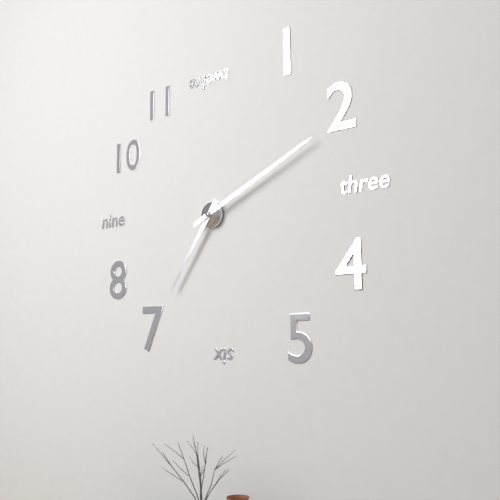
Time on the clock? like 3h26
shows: 7h11
